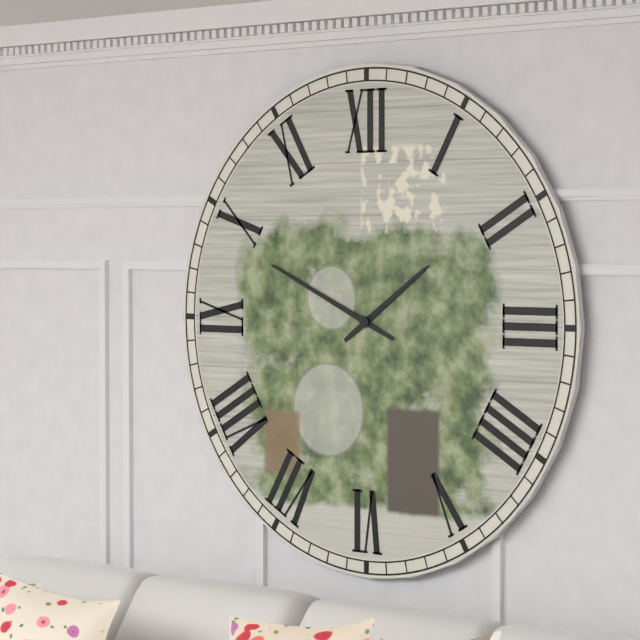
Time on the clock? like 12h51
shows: 1h49
